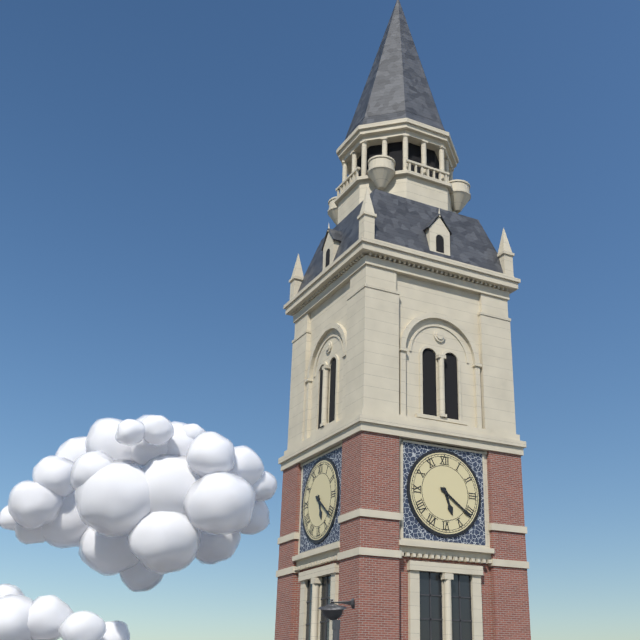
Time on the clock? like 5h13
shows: 5h21
